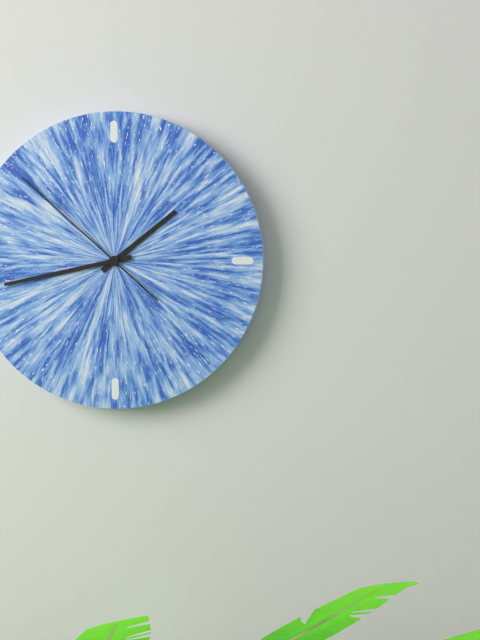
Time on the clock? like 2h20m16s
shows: 1h43m52s
